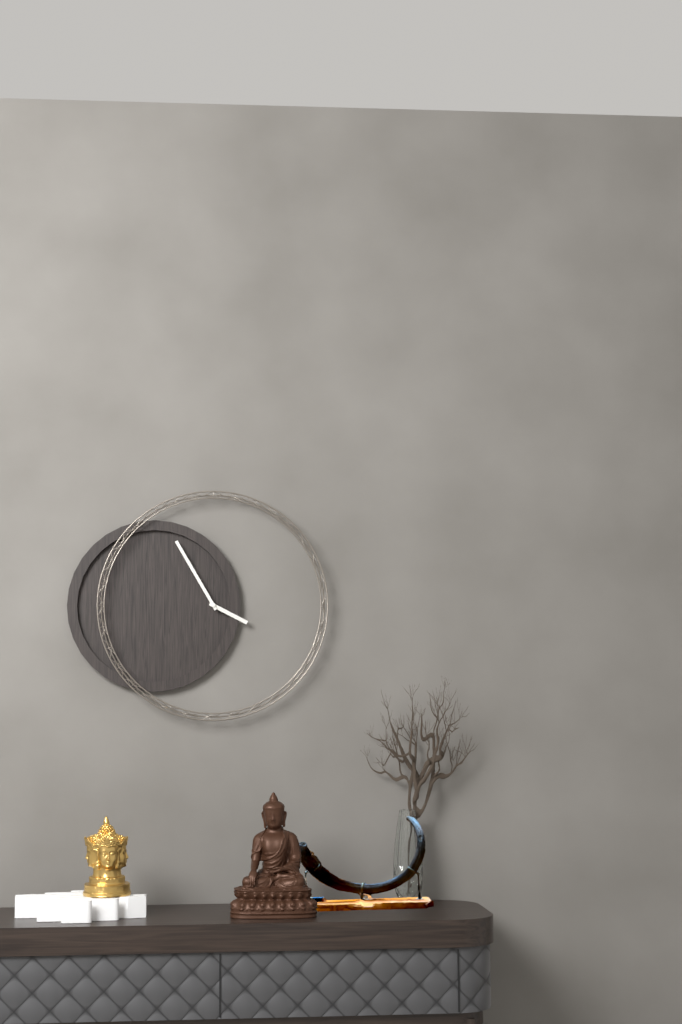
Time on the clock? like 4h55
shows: 3h55
